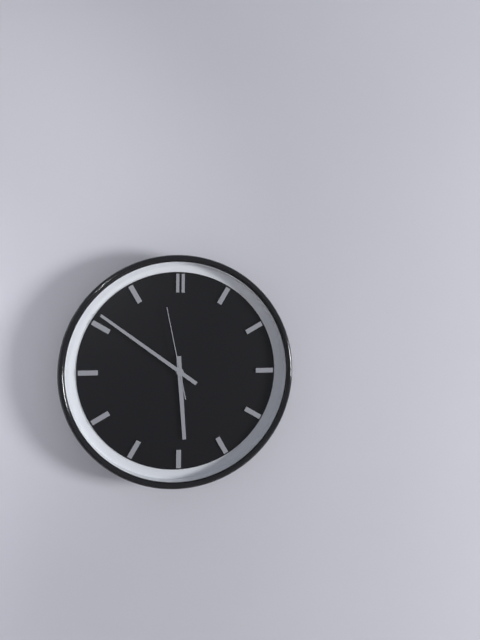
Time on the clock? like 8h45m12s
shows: 5h51m58s
